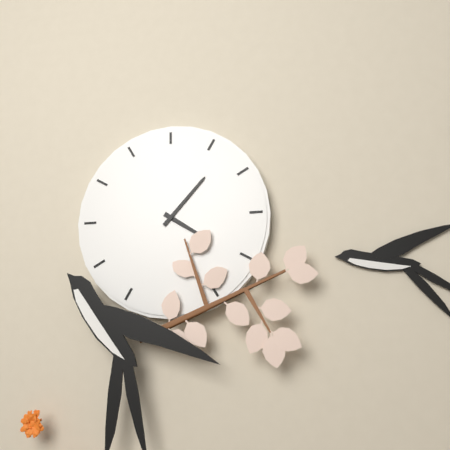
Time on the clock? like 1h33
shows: 4h07
